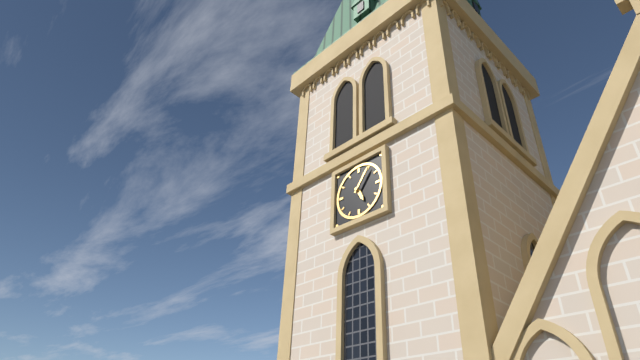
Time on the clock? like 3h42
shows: 5h06
